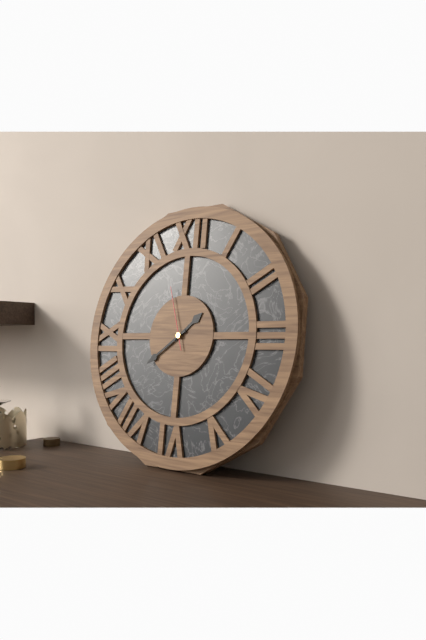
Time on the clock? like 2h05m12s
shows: 1h39m57s
